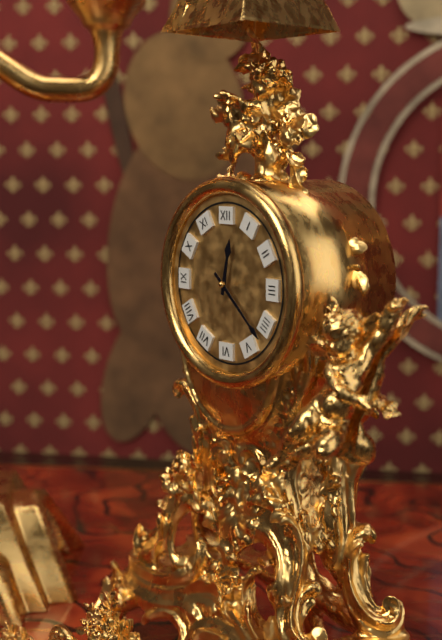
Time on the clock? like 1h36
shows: 12h22
